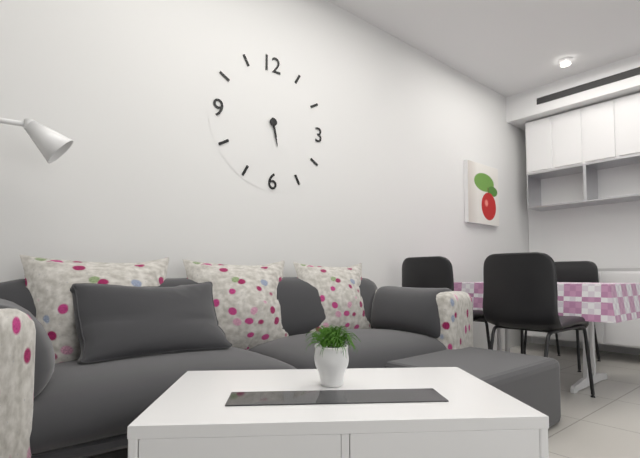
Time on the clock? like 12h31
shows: 5h28
